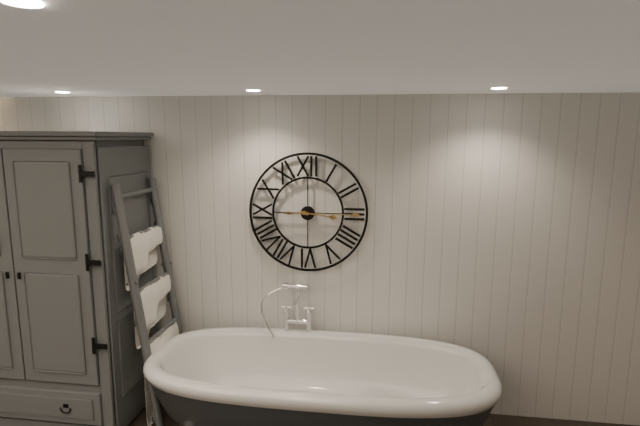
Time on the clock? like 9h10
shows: 3h15
